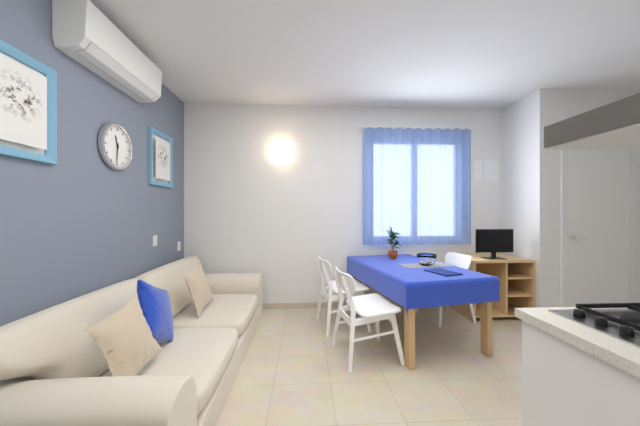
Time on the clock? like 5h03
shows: 11h31
